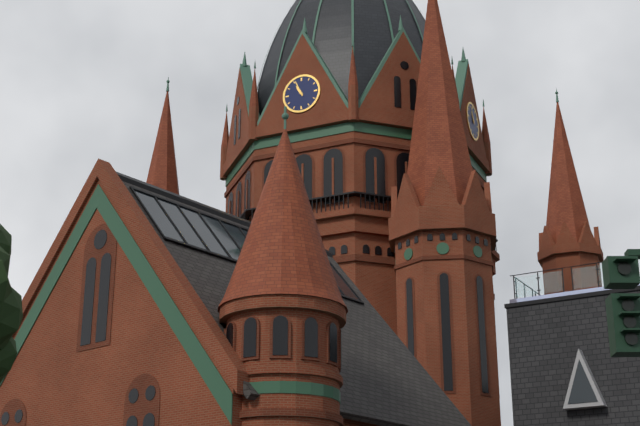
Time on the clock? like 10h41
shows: 10h56
